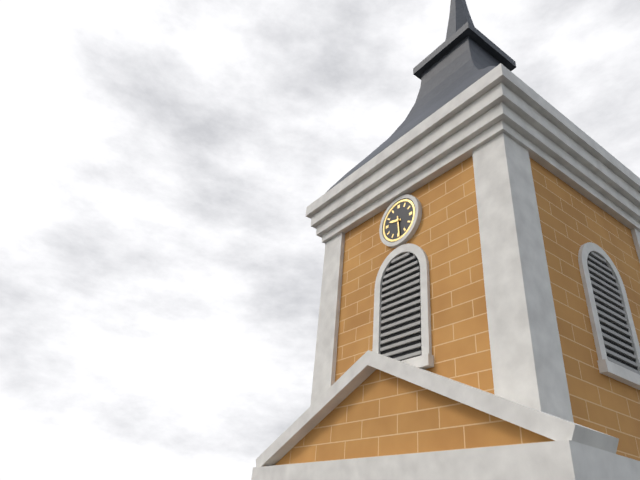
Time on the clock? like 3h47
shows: 9h29
